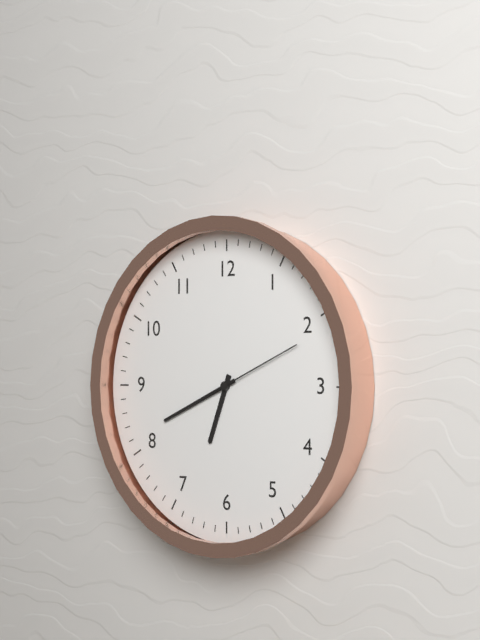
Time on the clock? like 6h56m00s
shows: 6h41m11s
